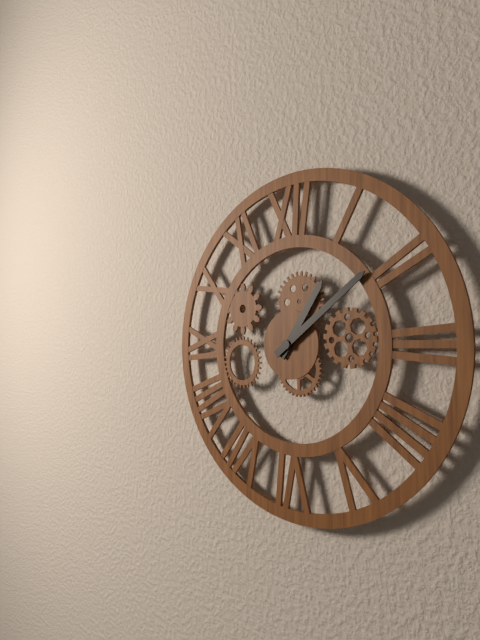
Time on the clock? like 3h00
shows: 1h09
